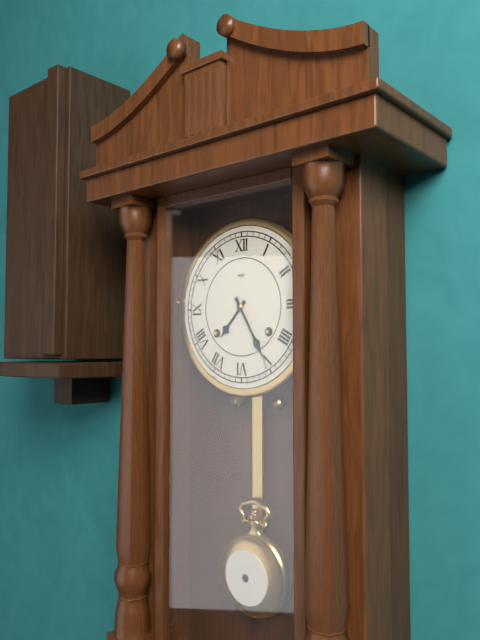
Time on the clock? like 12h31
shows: 7h25
